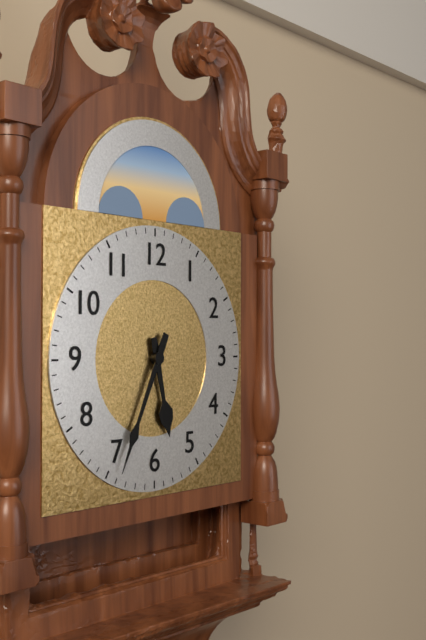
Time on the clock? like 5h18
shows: 5h34
